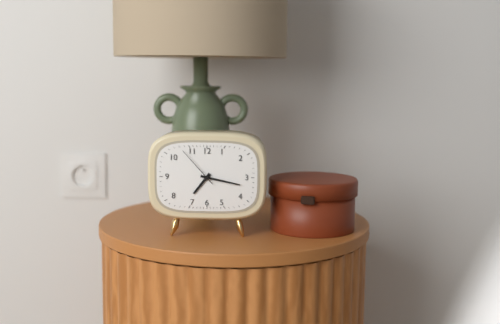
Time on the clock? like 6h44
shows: 7h17
